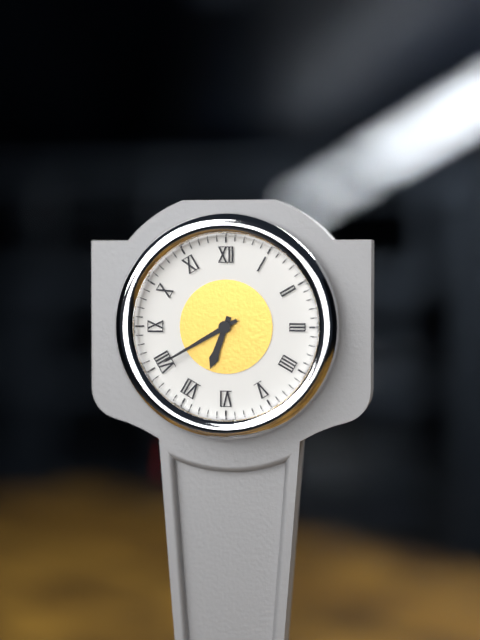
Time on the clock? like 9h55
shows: 6h40
